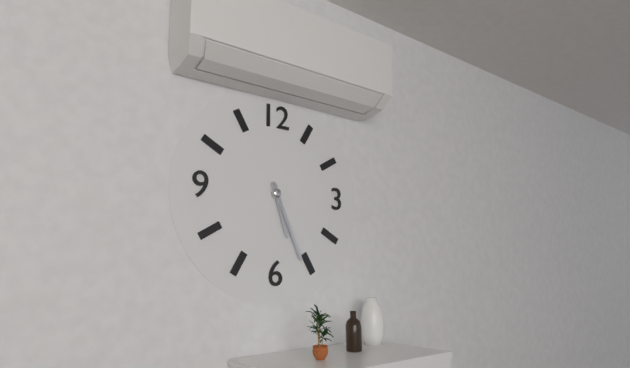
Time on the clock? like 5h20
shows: 5h26
